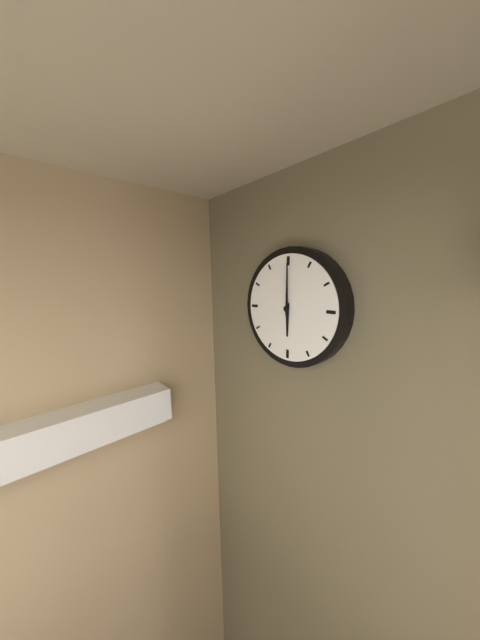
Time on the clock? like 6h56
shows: 6h00
